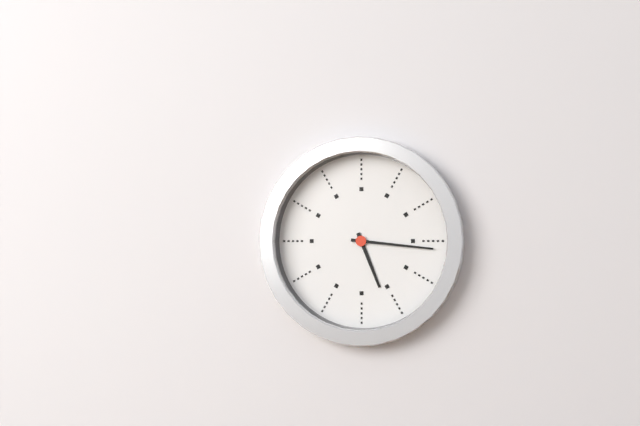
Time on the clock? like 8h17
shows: 5h16
